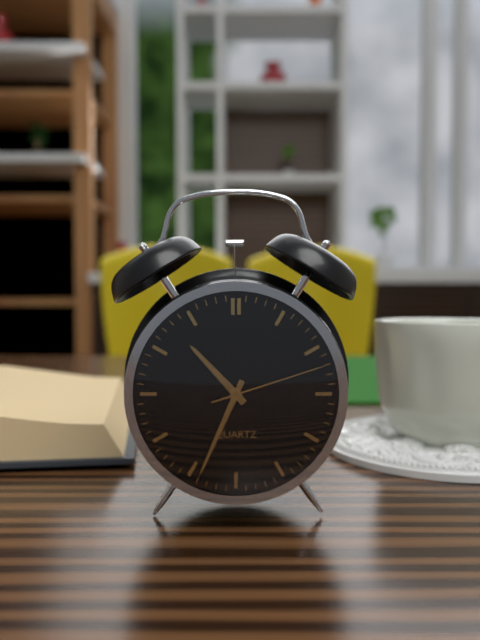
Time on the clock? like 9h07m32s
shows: 10h34m12s
